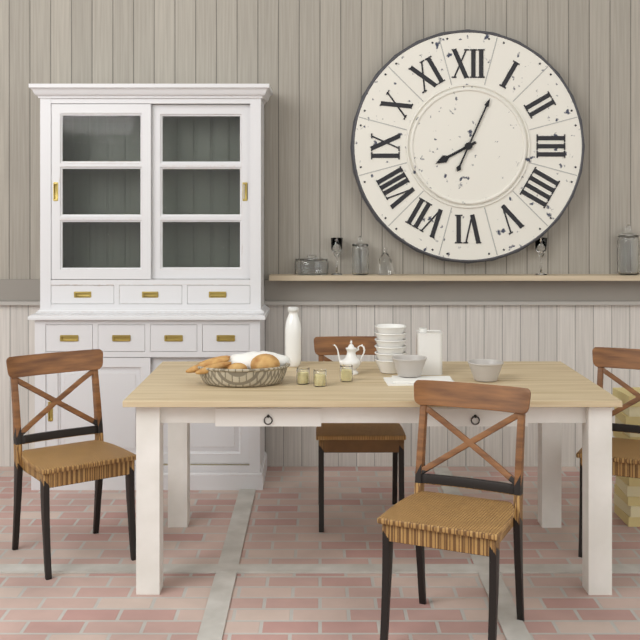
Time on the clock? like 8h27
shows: 8h04
